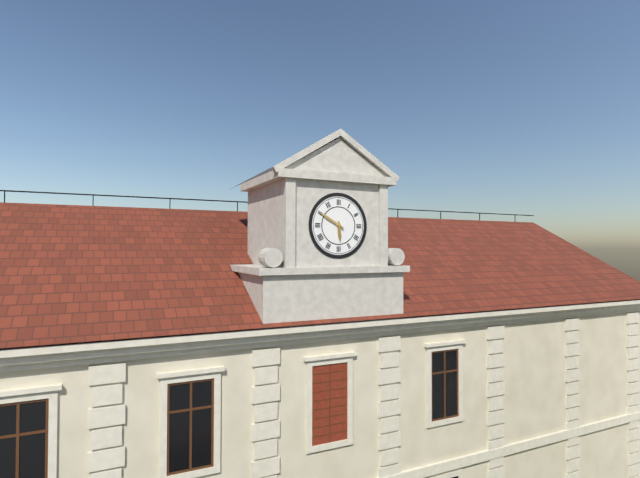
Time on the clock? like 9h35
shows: 5h50
